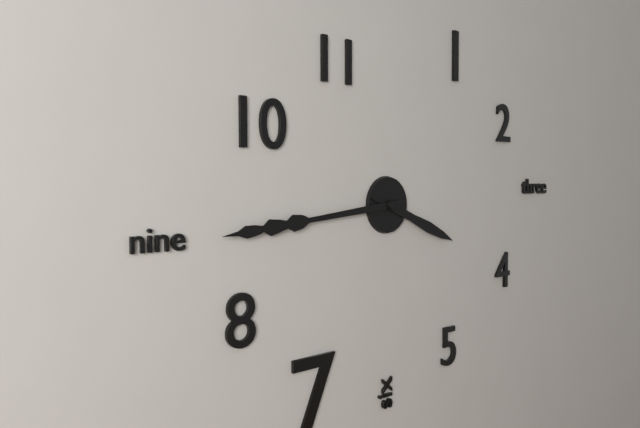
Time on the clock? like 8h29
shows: 3h44
